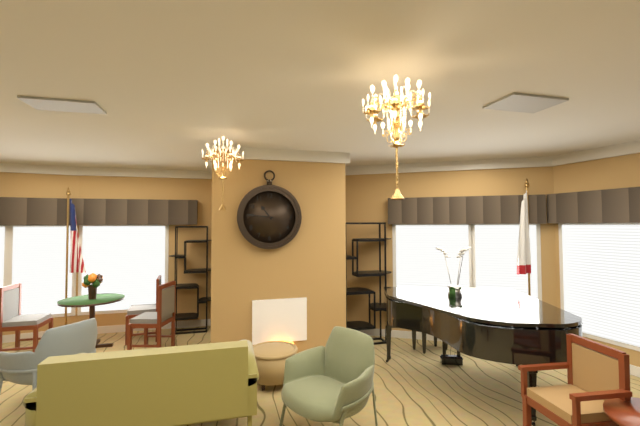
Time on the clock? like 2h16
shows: 10h46
